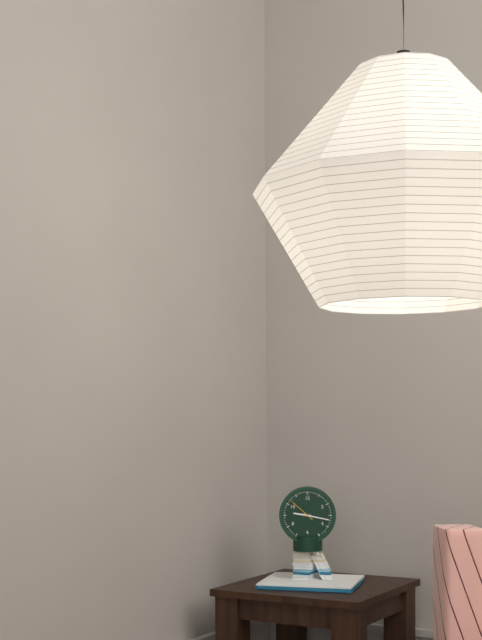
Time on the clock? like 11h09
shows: 9h17
